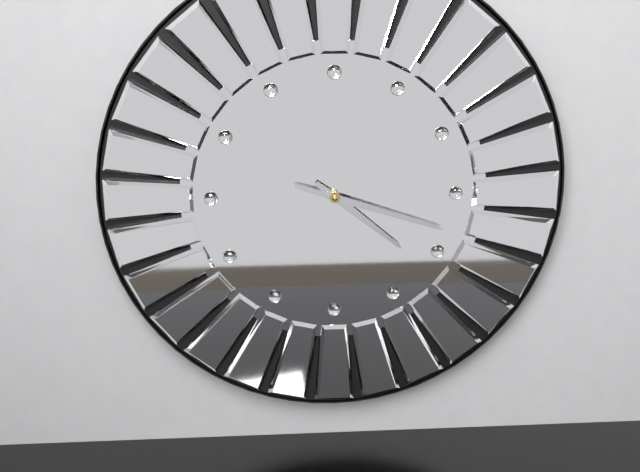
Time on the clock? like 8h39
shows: 4h18
